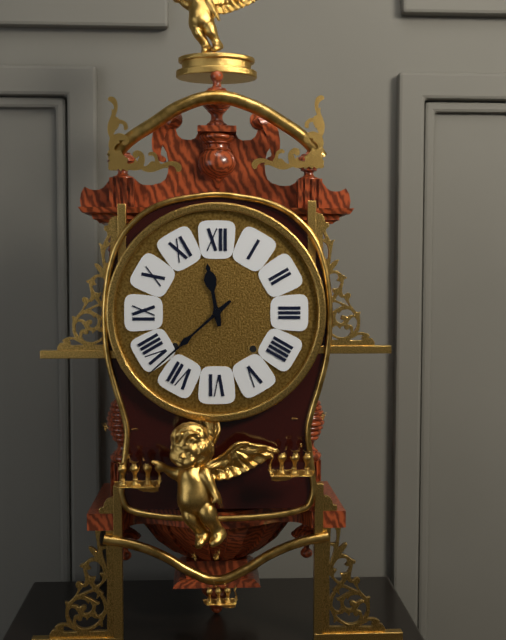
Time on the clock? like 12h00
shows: 11h38
